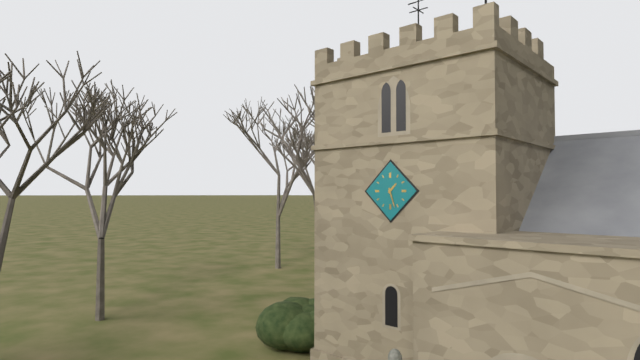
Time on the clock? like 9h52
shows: 1h27
